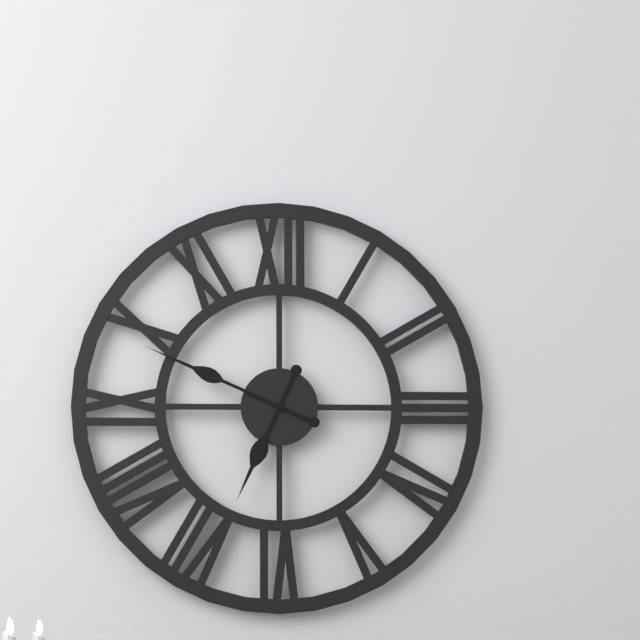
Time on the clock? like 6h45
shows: 6h49
